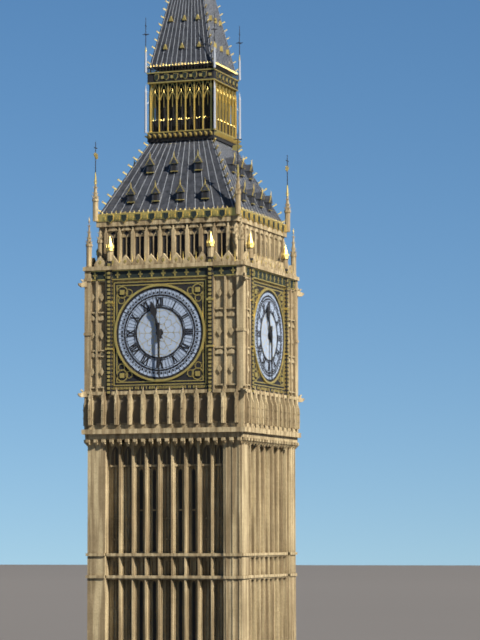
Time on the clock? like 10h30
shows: 11h30
